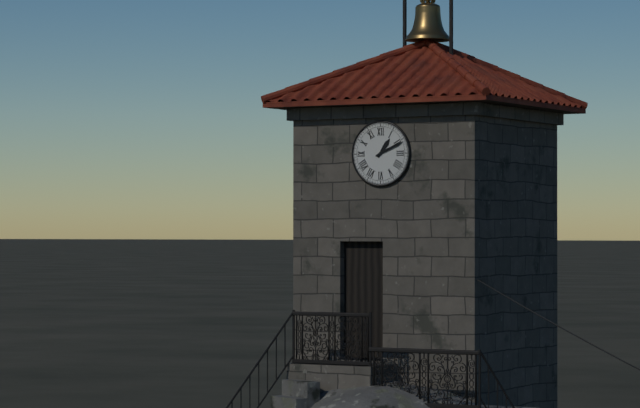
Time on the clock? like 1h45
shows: 1h11
